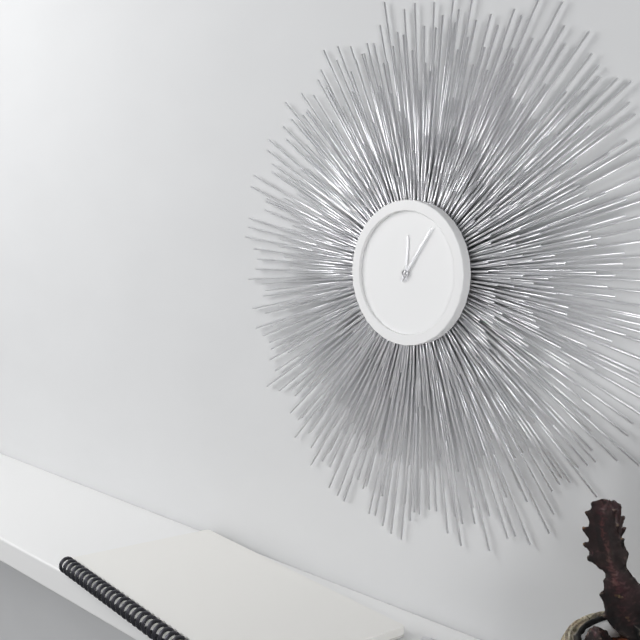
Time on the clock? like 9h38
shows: 12h06
